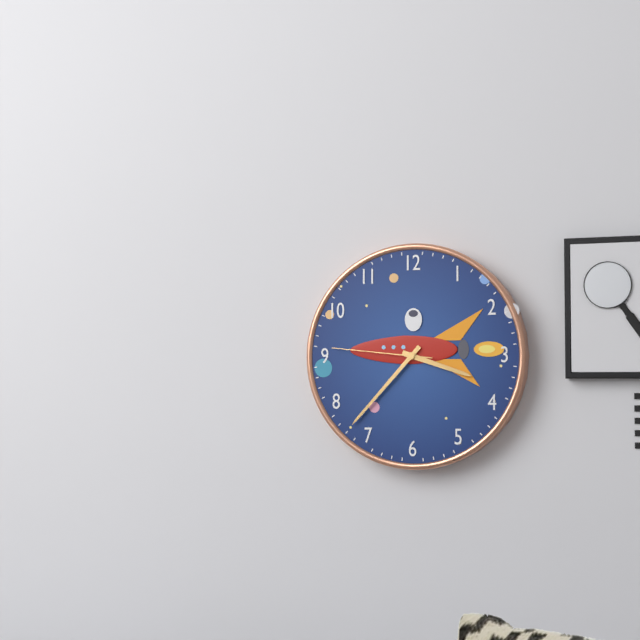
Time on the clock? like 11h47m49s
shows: 3h37m46s
